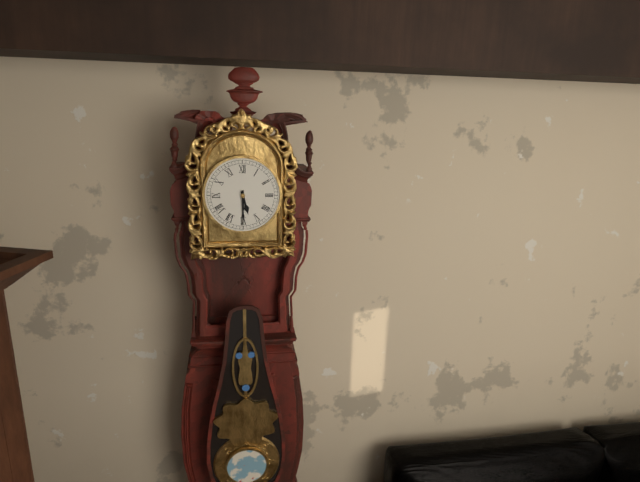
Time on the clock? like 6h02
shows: 5h30
